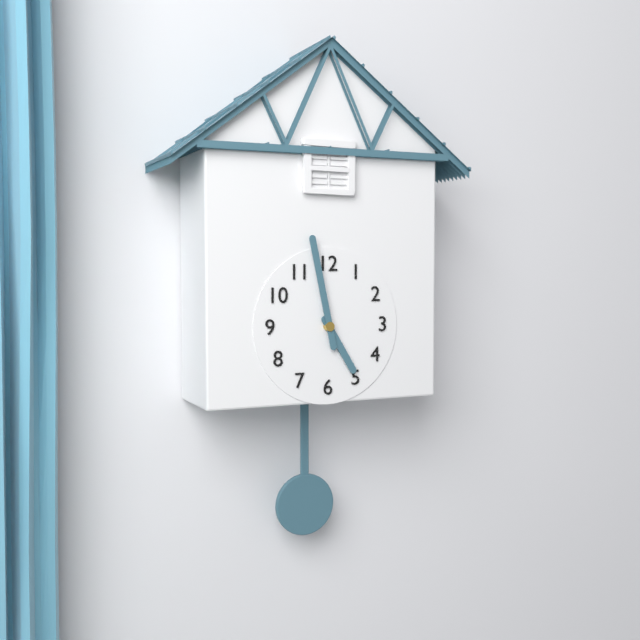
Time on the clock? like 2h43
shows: 4h58
